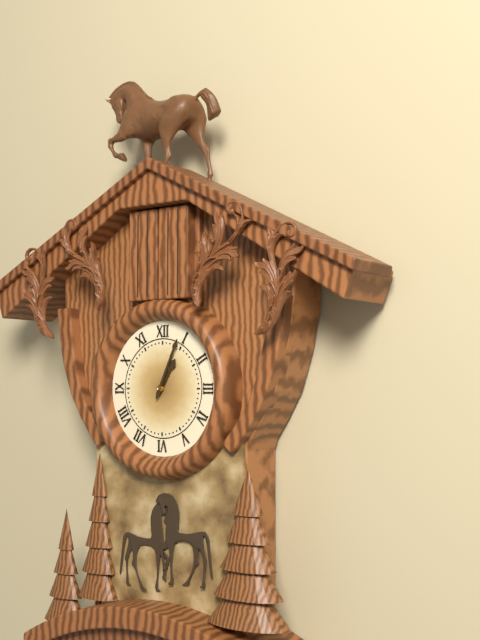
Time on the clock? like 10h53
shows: 1h04
